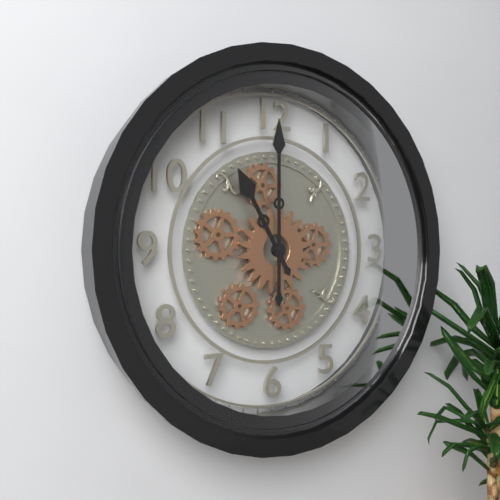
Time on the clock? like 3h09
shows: 11h00
